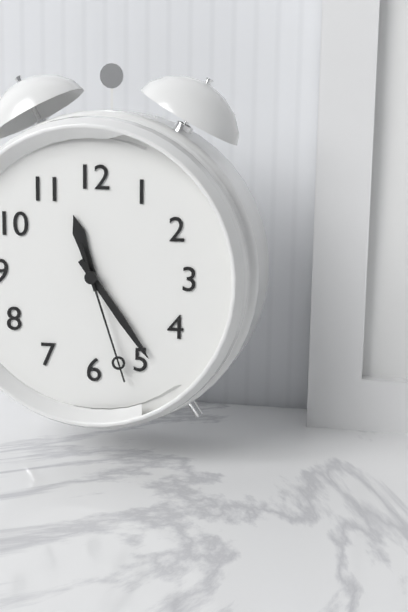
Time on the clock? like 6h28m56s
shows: 11h24m27s
